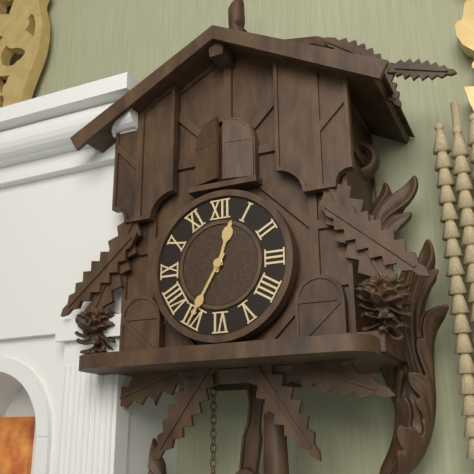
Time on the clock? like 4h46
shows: 12h35
